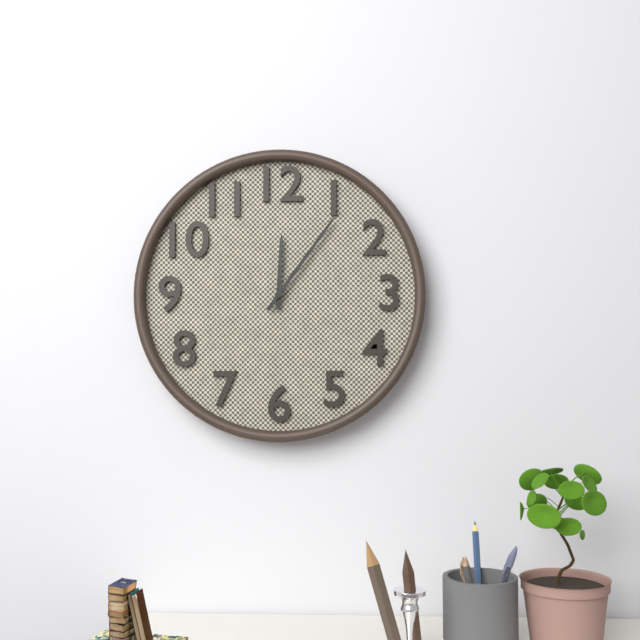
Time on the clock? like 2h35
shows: 12h06
